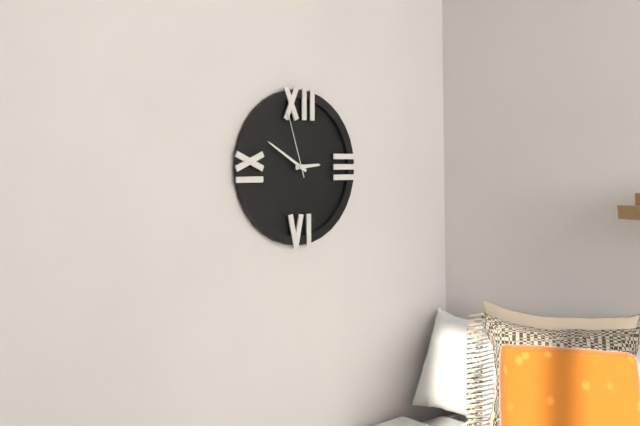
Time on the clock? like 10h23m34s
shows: 2h50m57s
